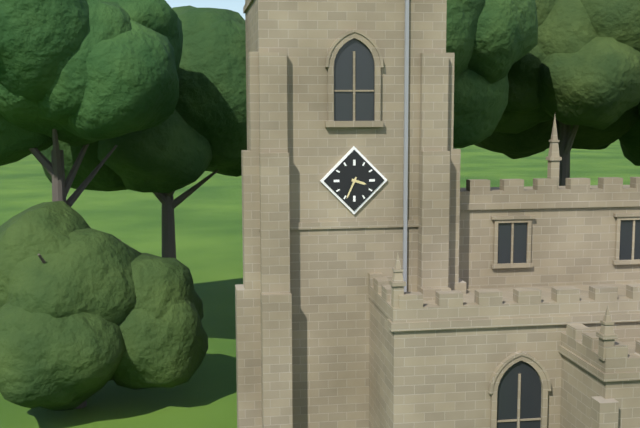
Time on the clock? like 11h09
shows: 3h34
